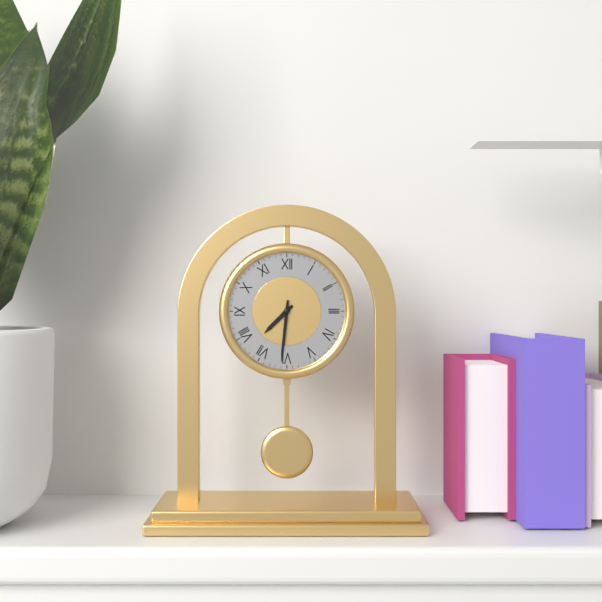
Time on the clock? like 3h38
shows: 7h31
